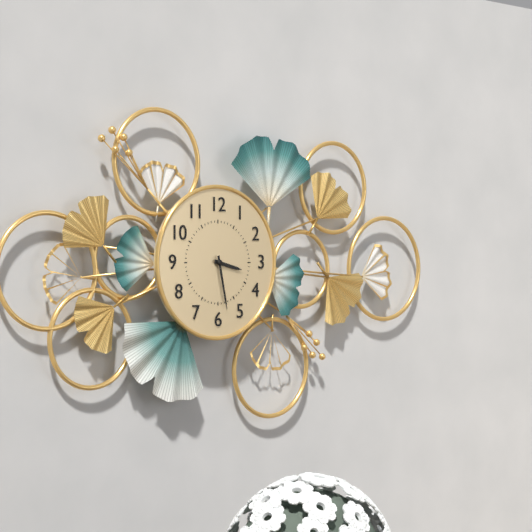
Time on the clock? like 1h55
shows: 3h28
